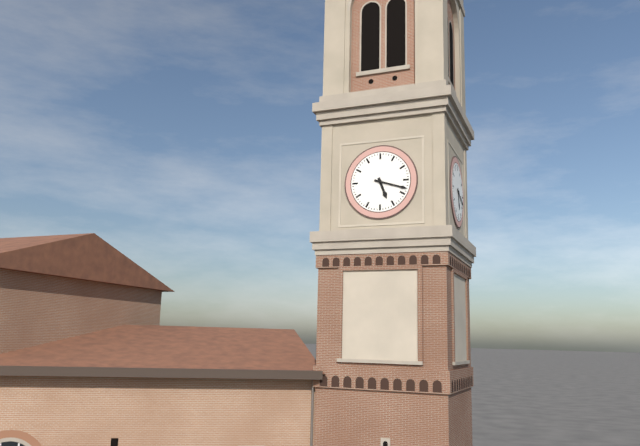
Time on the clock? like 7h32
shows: 5h18
